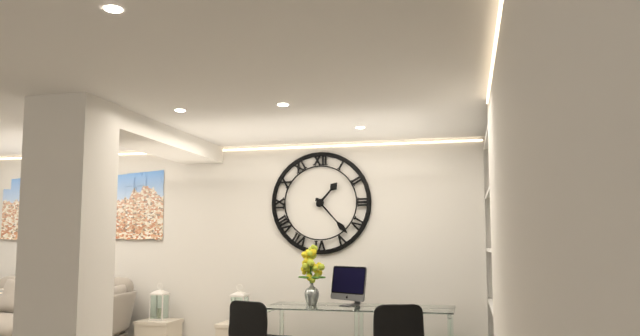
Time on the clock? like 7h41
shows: 1h23
